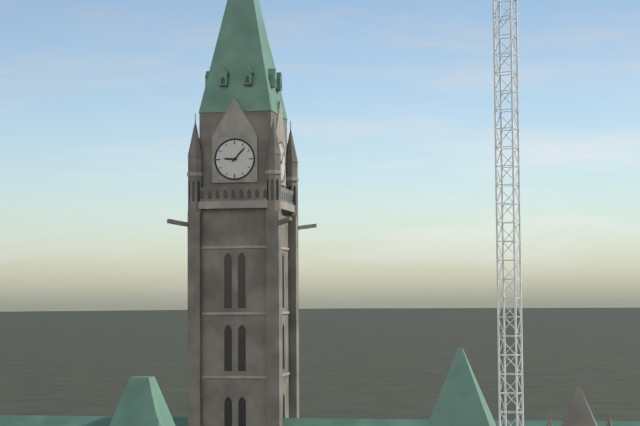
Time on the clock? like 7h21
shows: 9h07
